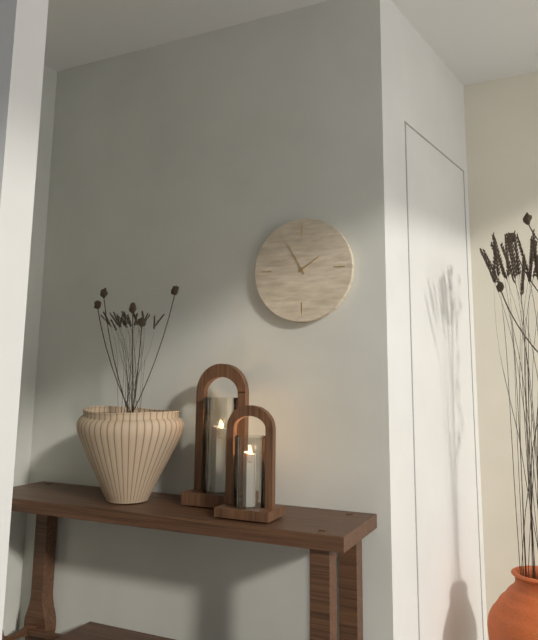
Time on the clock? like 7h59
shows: 1h55
